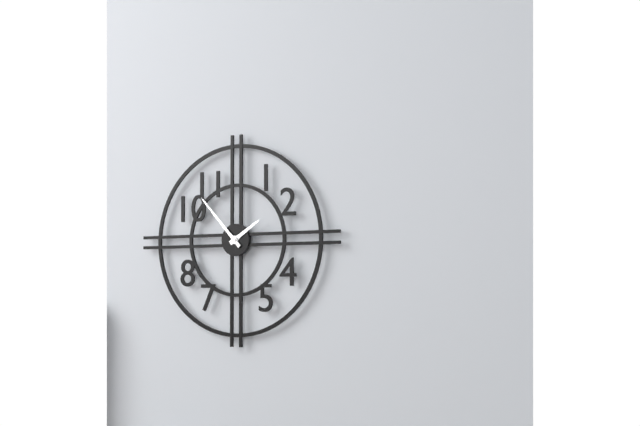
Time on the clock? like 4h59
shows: 1h53
